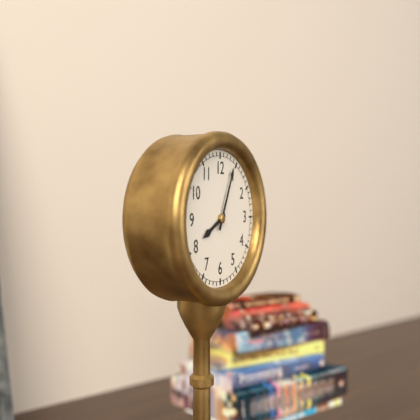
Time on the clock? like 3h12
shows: 8h04
